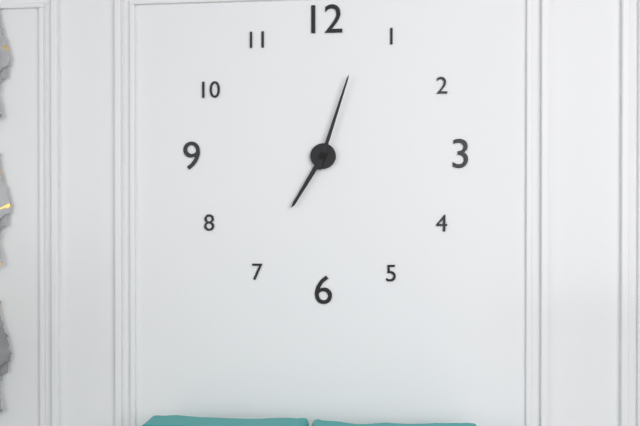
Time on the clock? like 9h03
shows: 7h03
